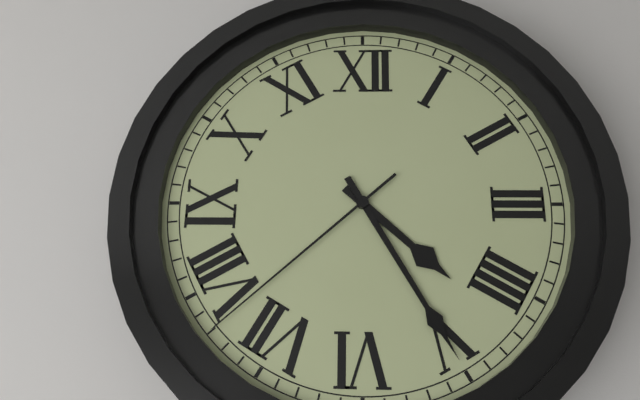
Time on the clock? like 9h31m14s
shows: 4h25m38s
